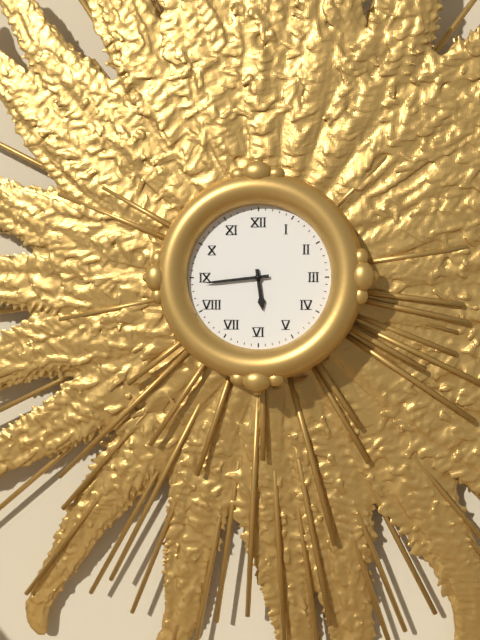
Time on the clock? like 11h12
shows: 5h44
